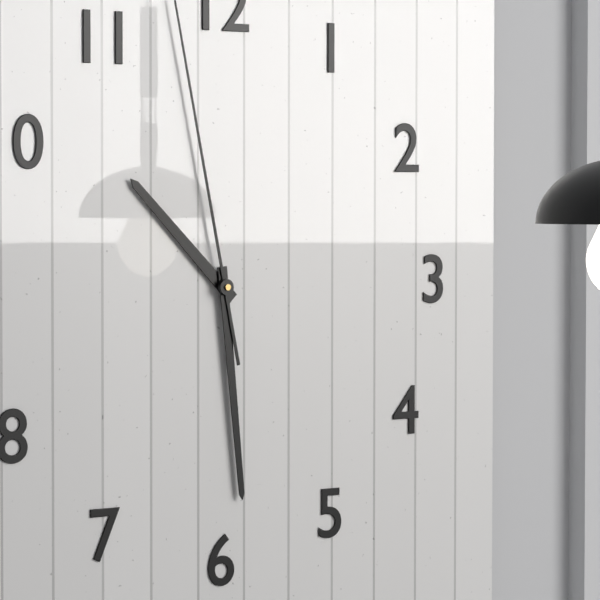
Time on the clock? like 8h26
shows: 10h29
